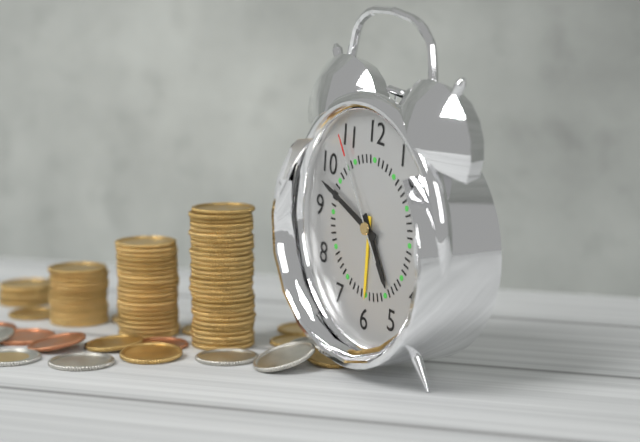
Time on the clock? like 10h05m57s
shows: 4h48m54s
